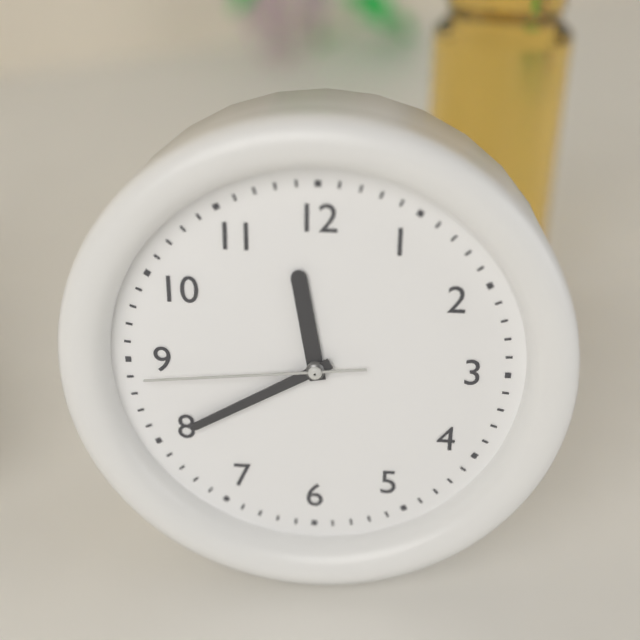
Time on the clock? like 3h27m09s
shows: 11h40m44s
